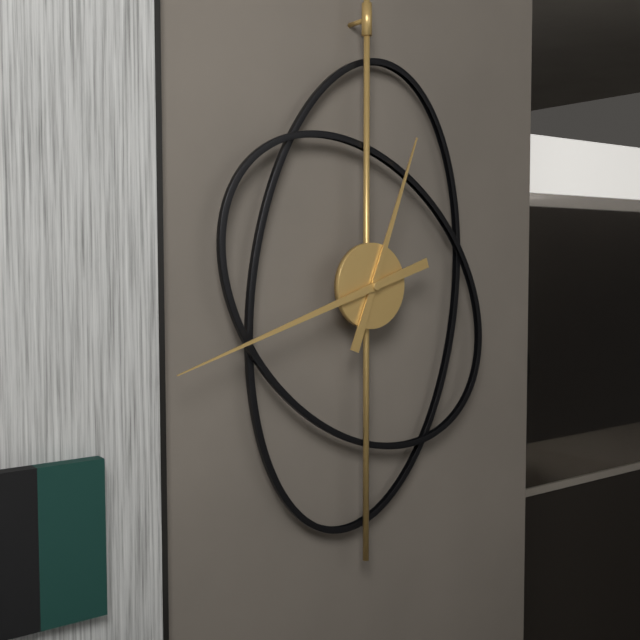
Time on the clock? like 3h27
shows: 12h42
